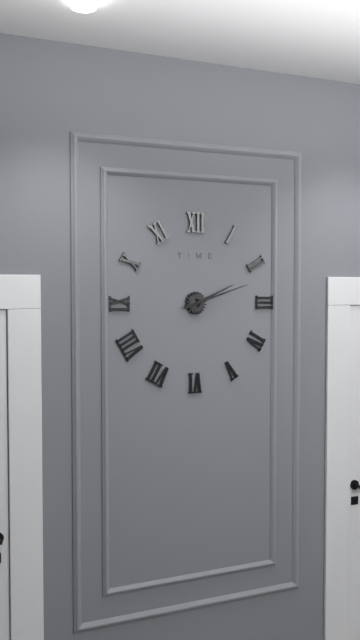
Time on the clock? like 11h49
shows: 2h12
